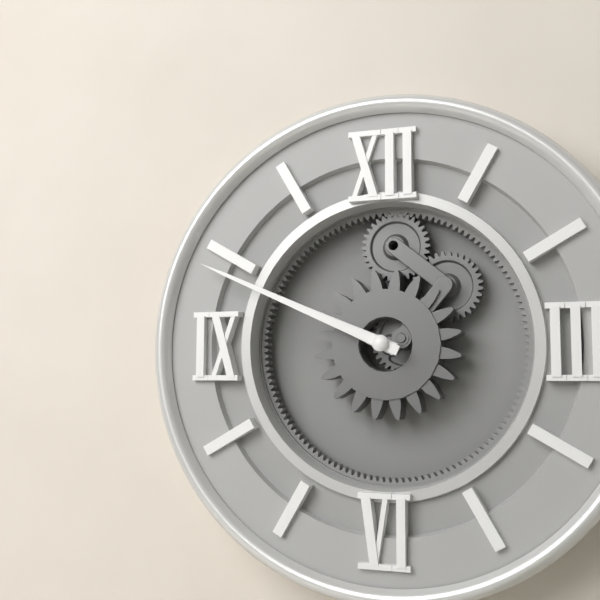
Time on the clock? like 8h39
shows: 9h49
